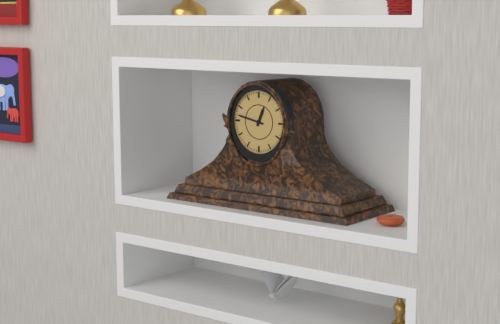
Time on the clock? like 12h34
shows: 12h47
